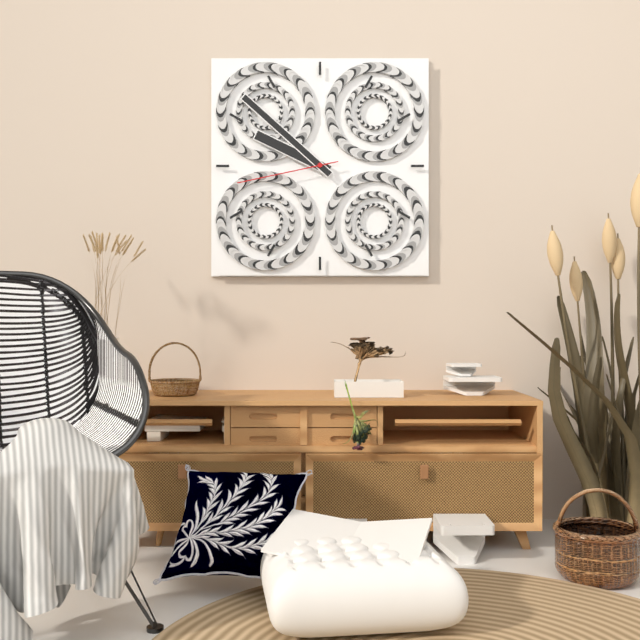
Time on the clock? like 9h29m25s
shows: 9h52m43s
